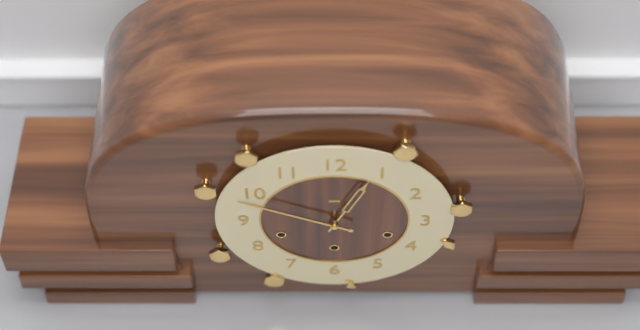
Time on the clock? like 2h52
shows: 12h49
